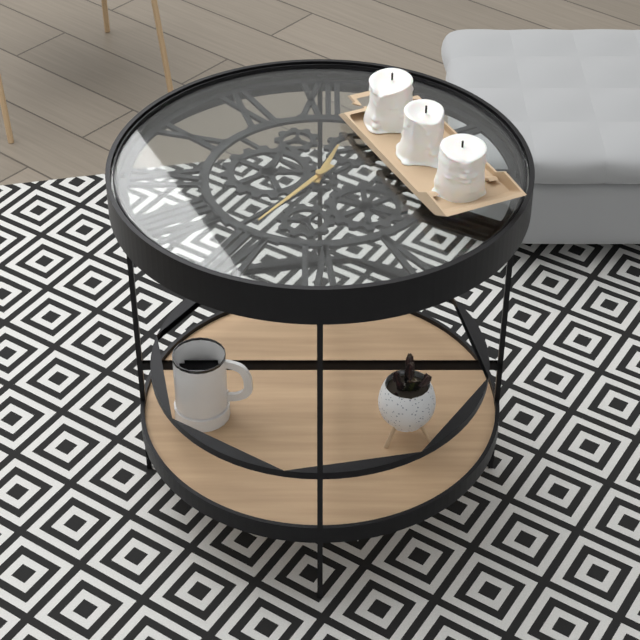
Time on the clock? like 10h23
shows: 12h36
